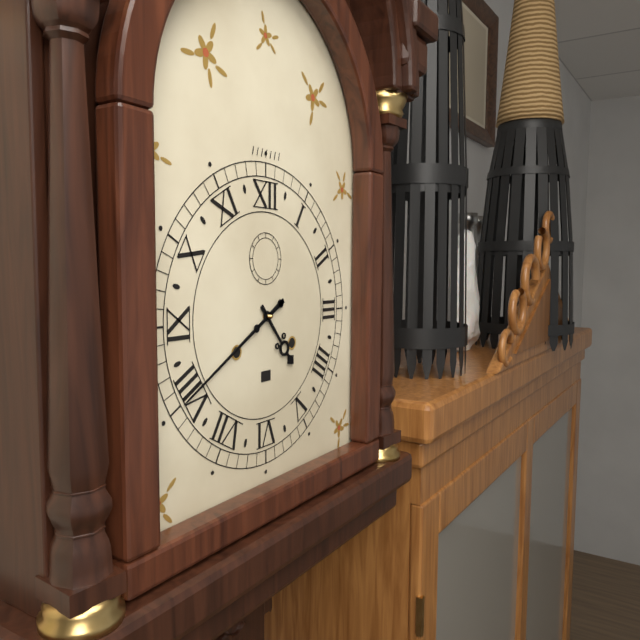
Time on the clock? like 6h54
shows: 4h40
